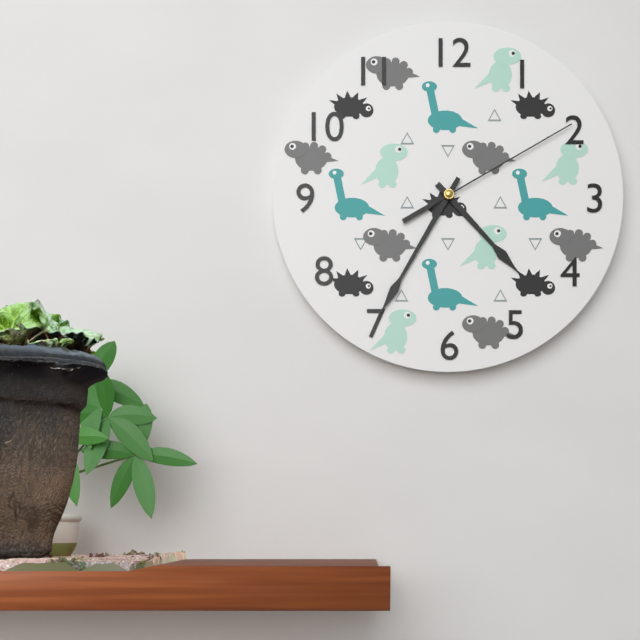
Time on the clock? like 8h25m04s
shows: 4h35m10s
